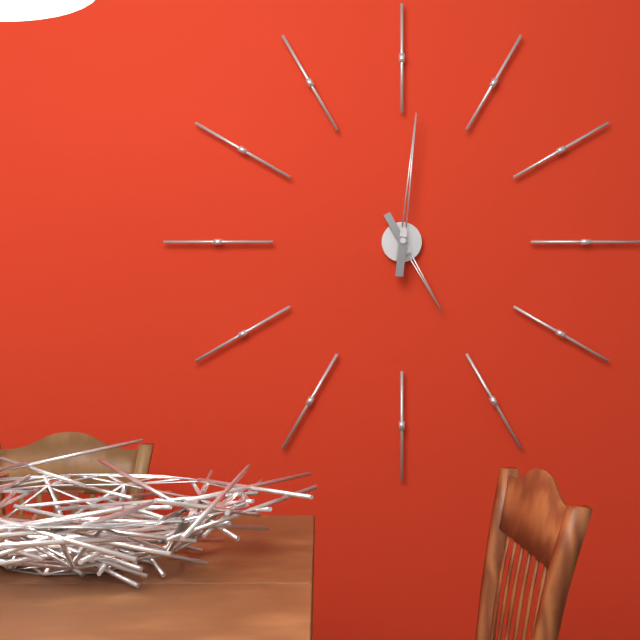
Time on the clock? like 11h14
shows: 5h01
